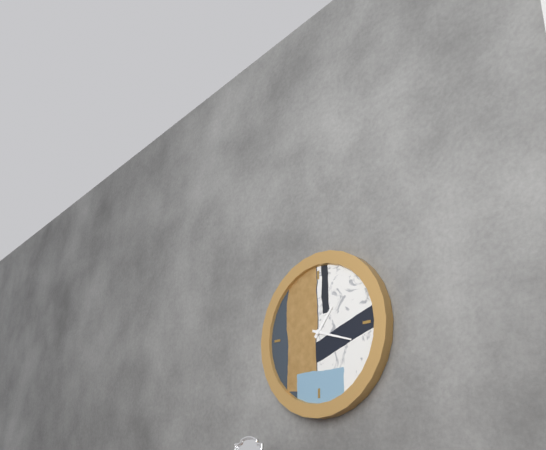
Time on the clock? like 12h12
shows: 1h18
